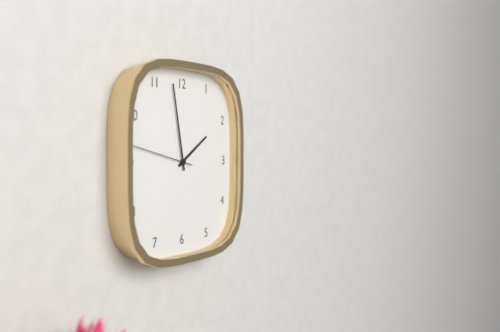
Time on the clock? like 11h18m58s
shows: 1h58m47s
